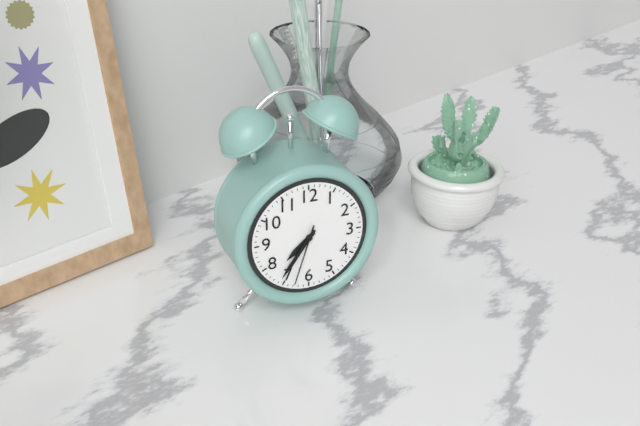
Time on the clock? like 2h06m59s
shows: 7h36m33s
